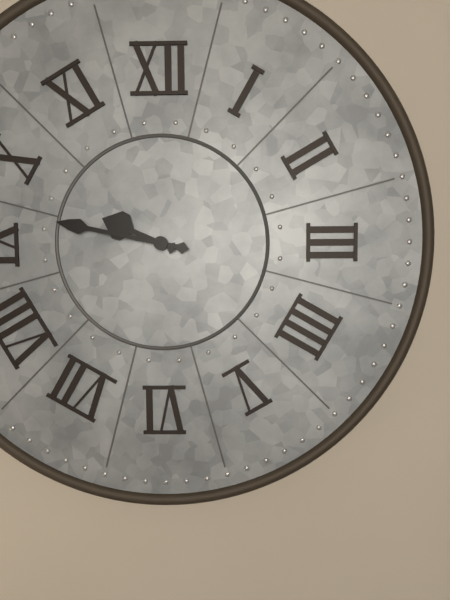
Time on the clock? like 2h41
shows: 9h47
